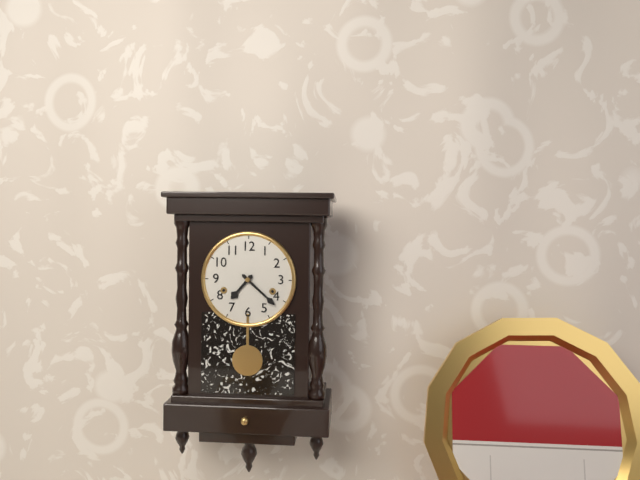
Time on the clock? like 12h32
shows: 7h22
